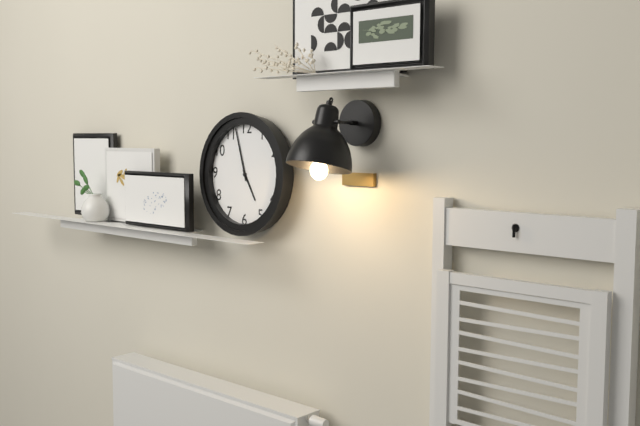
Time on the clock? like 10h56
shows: 4h57
